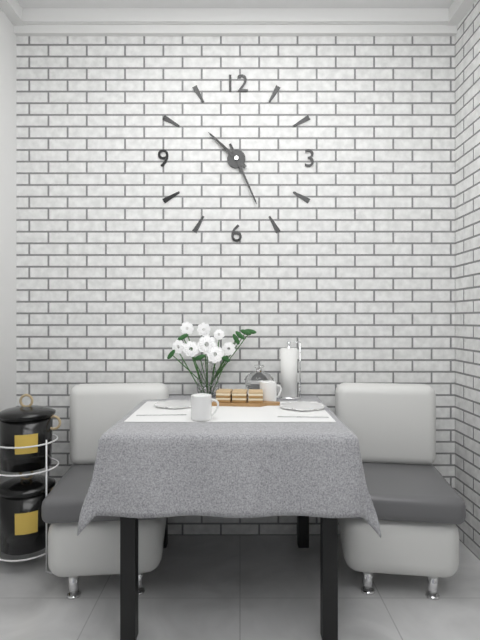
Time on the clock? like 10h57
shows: 10h26
